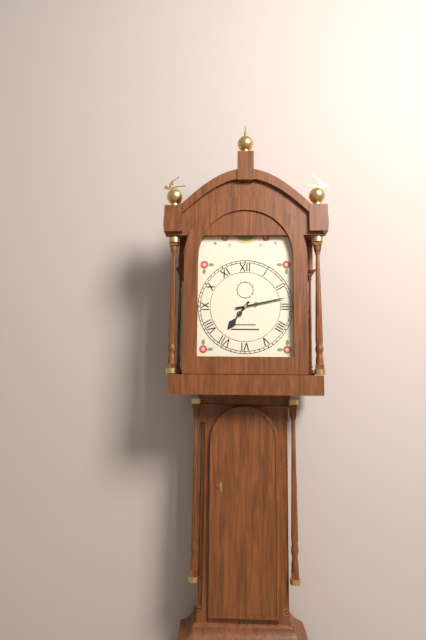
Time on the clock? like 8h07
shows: 7h13
